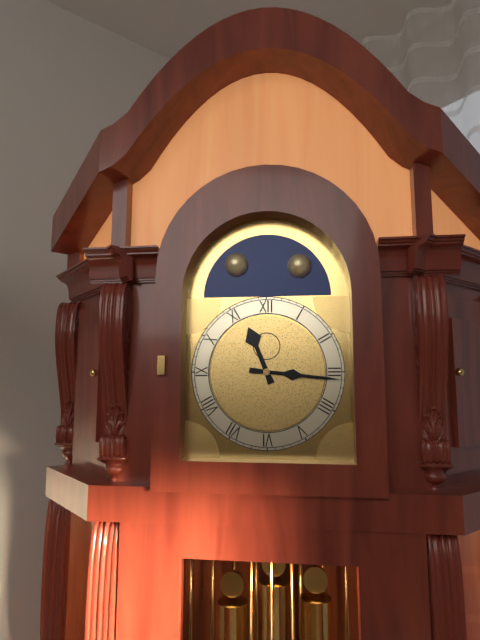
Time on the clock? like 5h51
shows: 11h16
